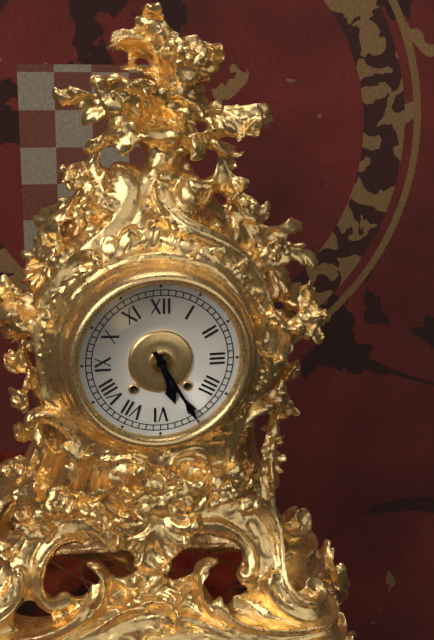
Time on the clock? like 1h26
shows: 5h25
